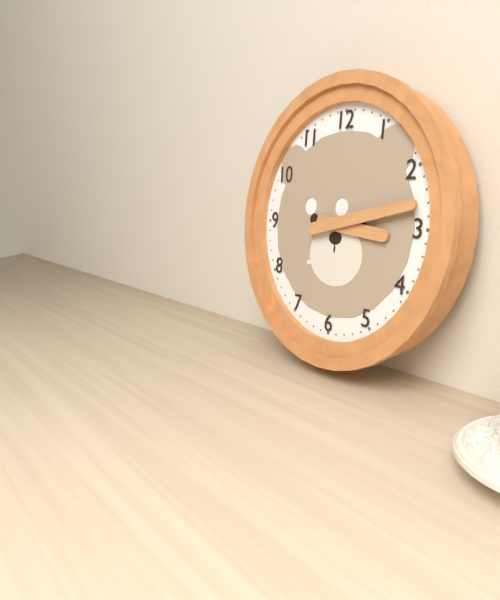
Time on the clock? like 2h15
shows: 3h13
